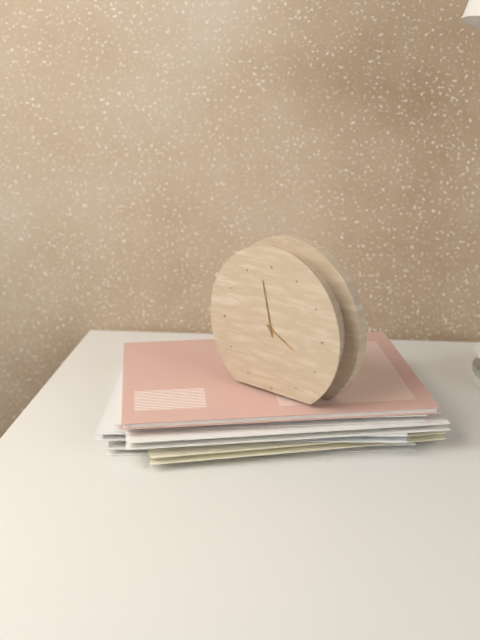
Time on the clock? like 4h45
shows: 3h58
